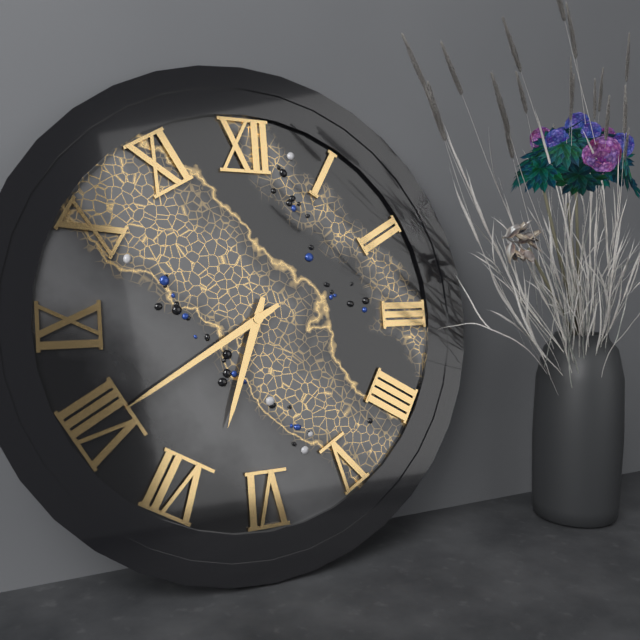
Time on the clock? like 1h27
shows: 6h40
